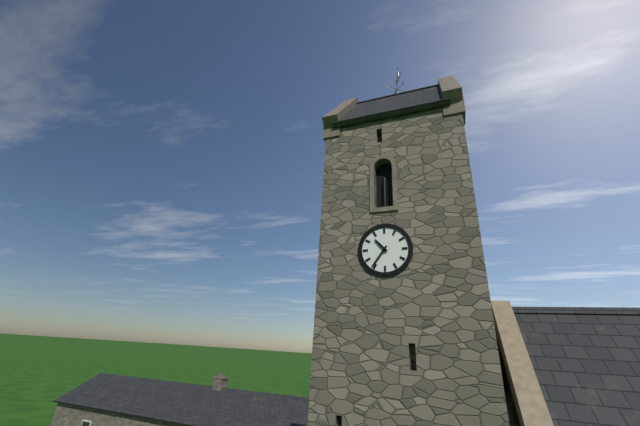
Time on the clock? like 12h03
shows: 10h36
